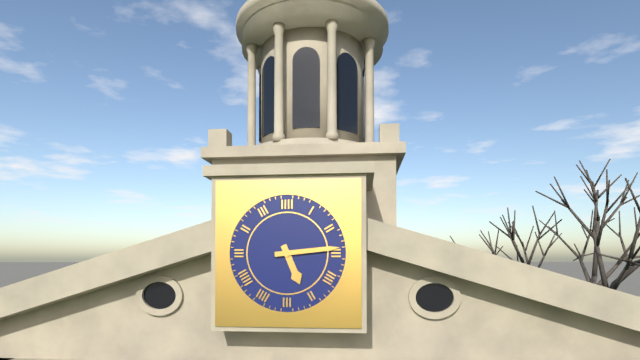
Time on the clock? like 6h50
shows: 5h14
